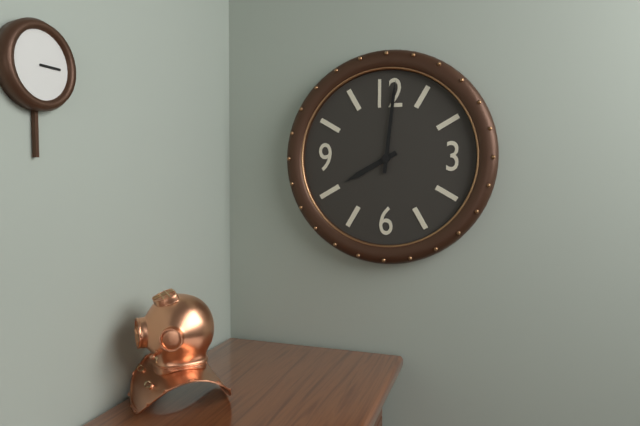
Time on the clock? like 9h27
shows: 8h01
